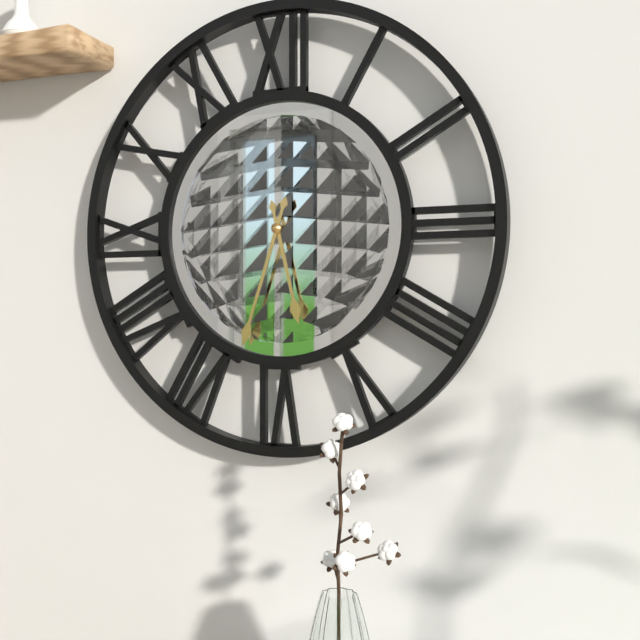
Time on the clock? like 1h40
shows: 5h33
